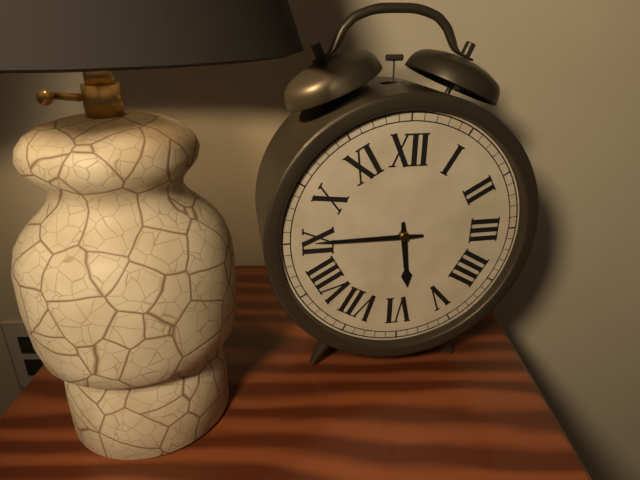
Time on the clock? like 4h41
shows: 5h45
